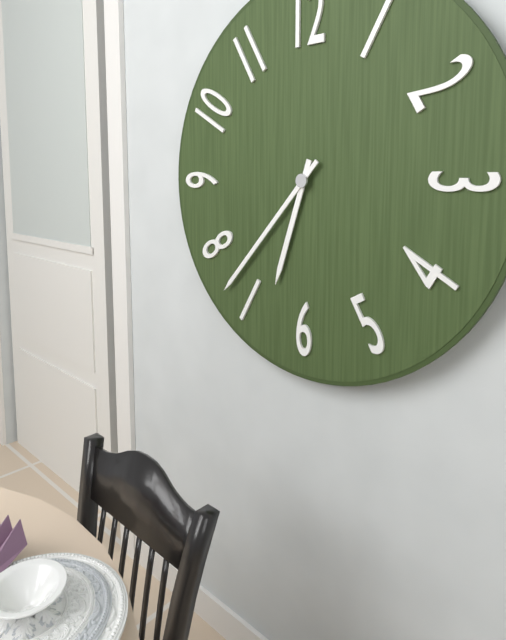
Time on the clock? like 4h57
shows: 6h37
